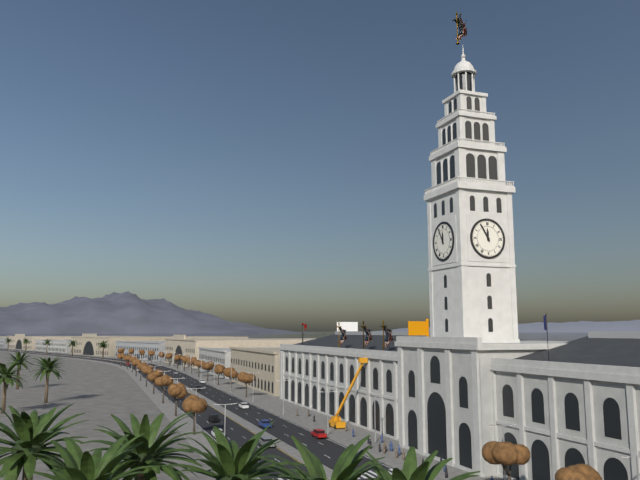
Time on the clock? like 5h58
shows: 11h55
